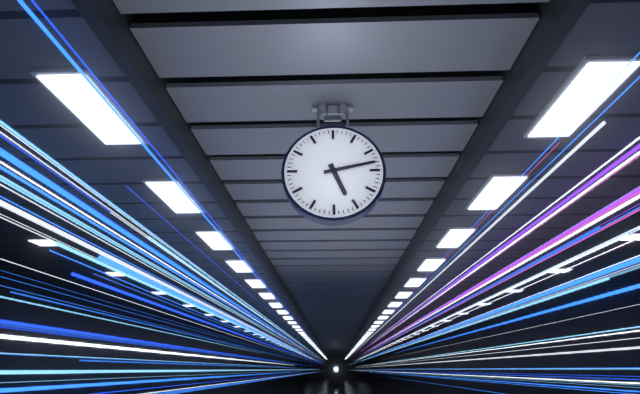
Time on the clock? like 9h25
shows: 5h13
